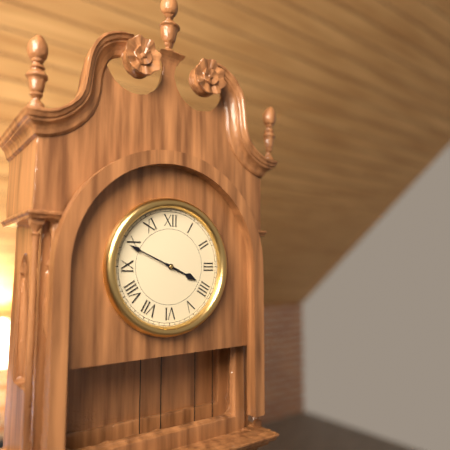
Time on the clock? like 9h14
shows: 3h49
